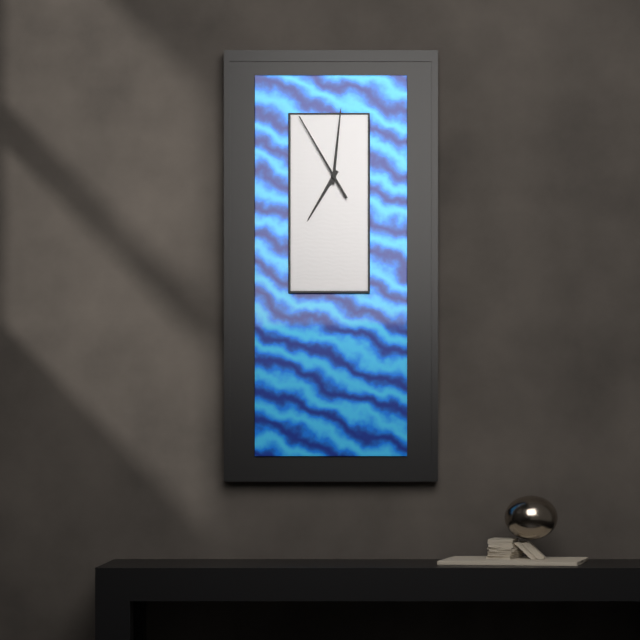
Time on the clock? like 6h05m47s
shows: 7h01m55s
